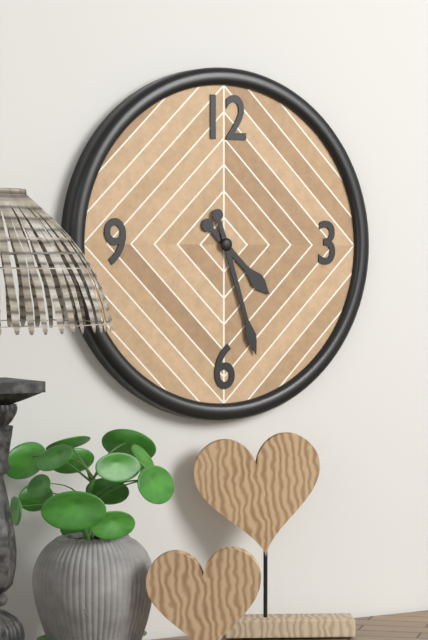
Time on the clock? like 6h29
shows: 4h27
